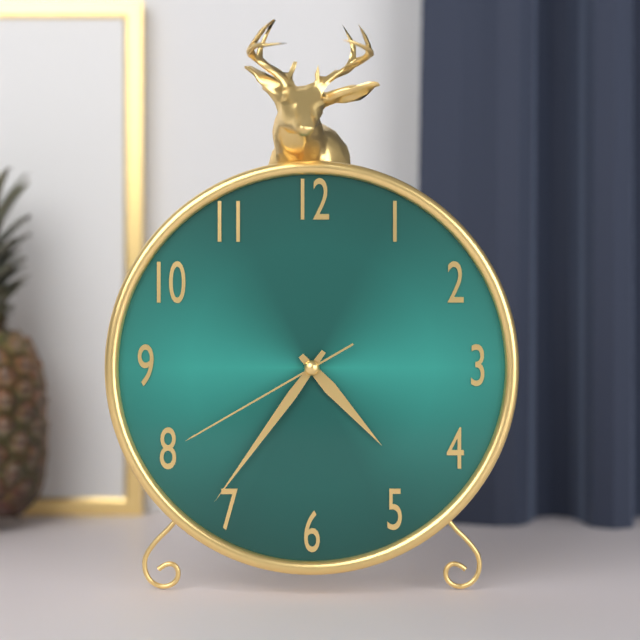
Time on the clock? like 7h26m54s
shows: 4h36m40s
